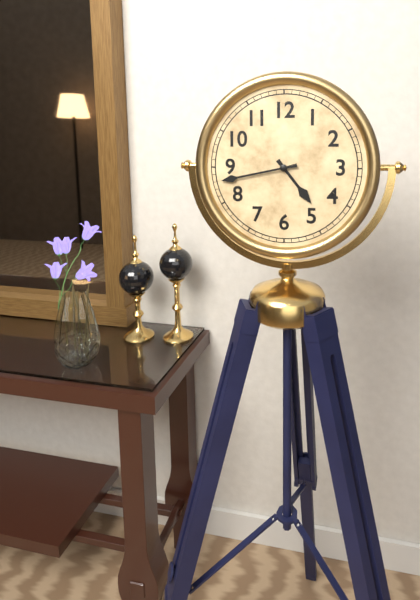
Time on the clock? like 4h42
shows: 4h43
